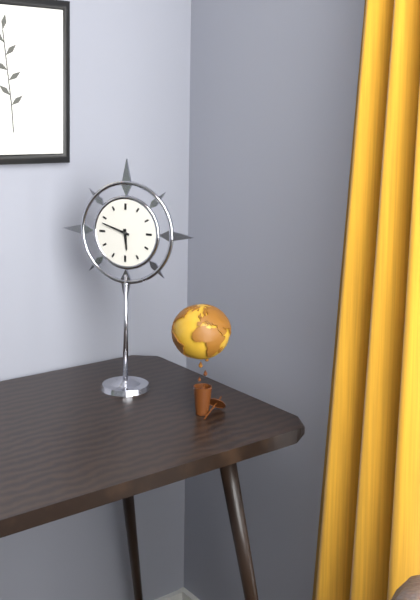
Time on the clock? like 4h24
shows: 5h48
